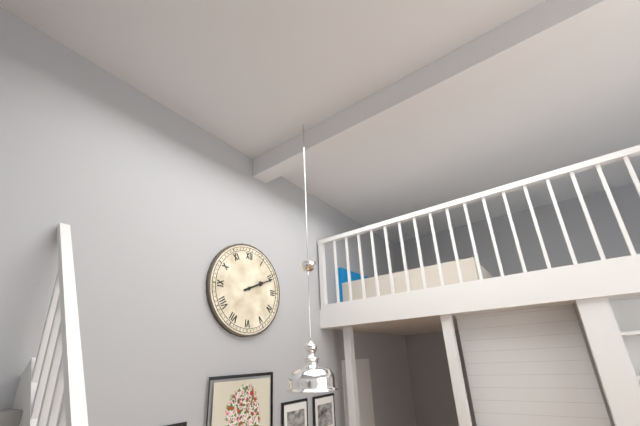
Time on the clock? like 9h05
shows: 2h11
